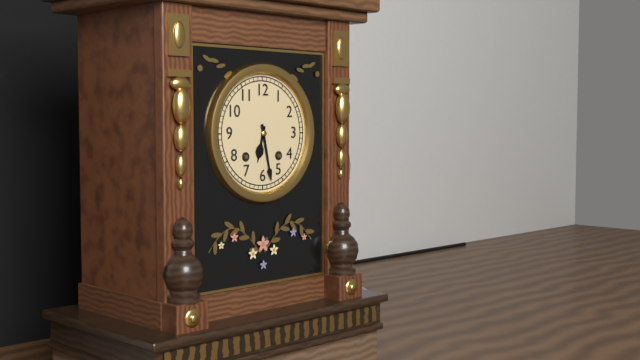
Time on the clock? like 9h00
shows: 6h28
